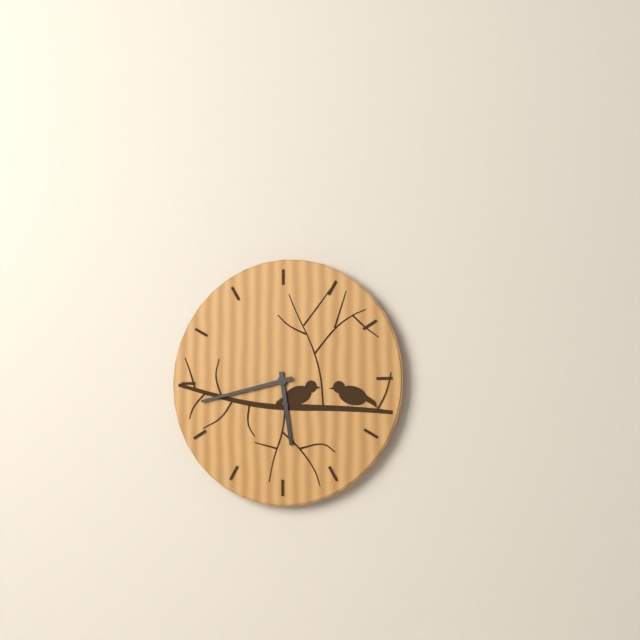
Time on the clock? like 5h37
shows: 5h43
